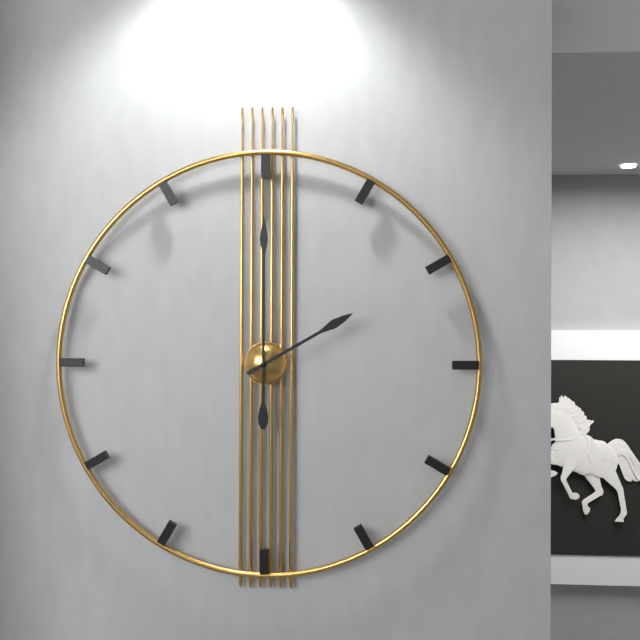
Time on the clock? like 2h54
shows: 2h00
